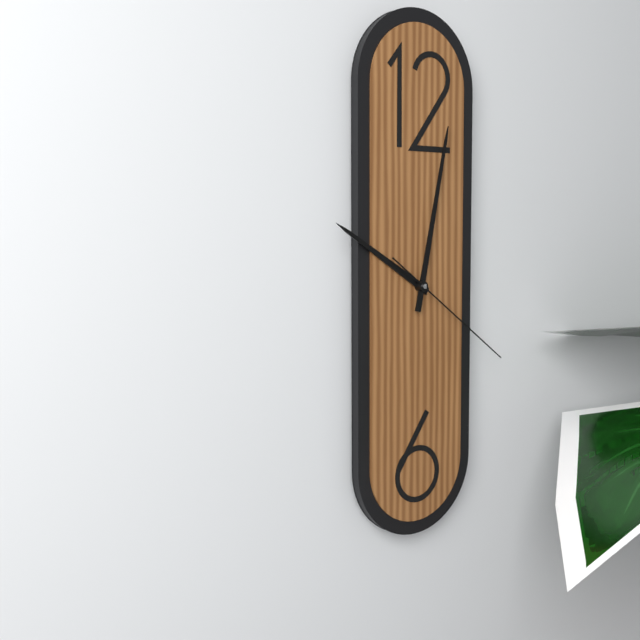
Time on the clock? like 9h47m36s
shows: 10h02m21s
